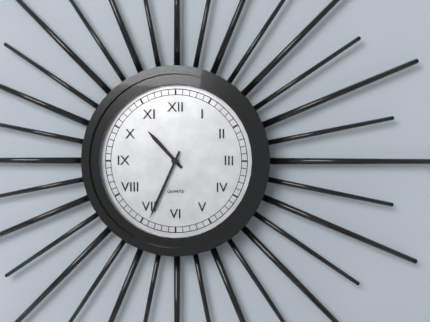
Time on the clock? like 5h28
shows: 10h34
